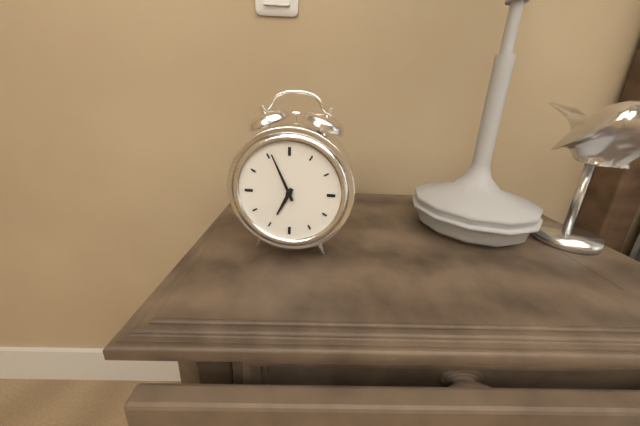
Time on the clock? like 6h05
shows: 6h56
